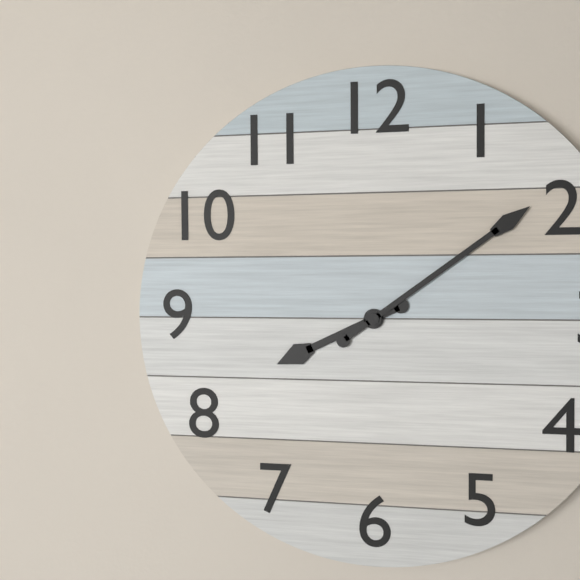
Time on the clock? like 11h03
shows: 8h09
